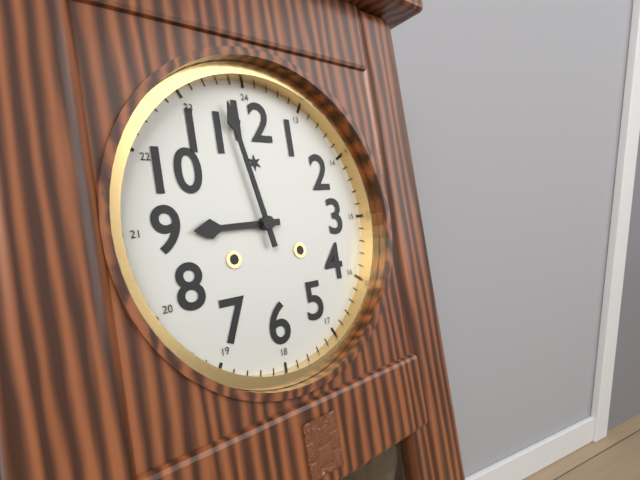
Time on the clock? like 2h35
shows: 8h58
